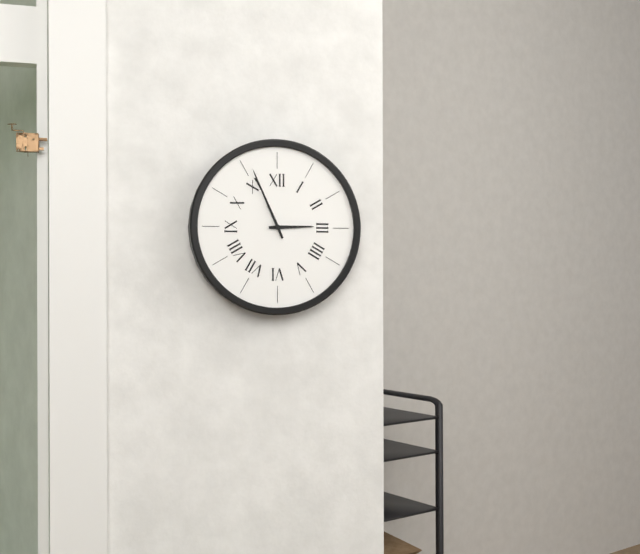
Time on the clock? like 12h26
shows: 2h56
